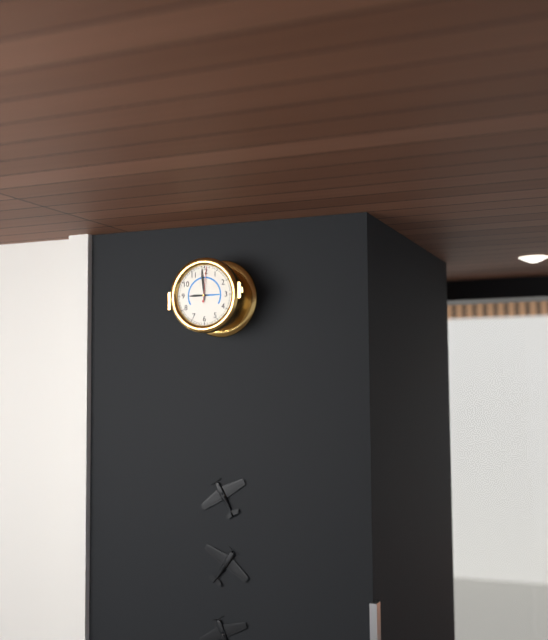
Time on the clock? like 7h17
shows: 8h59
